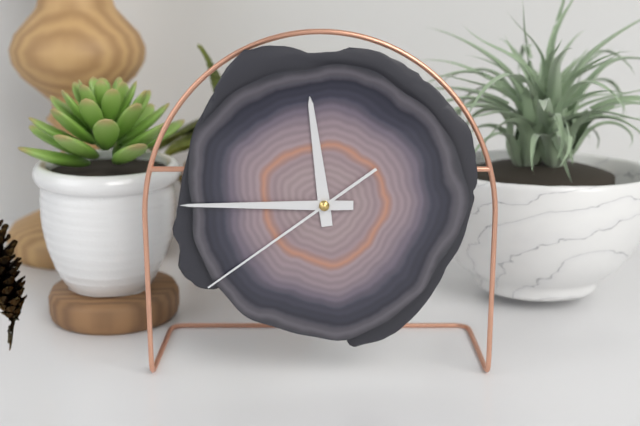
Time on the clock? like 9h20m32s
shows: 11h45m39s
